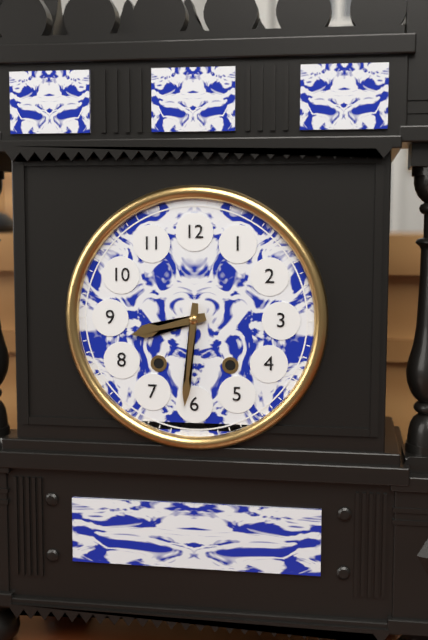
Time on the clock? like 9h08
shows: 8h31
